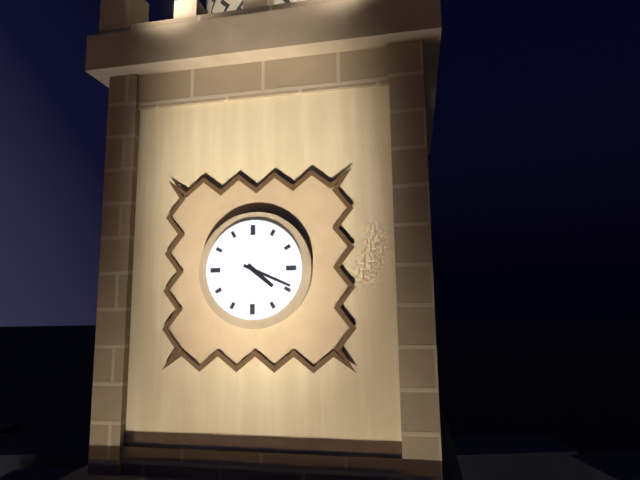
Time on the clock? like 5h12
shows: 4h19
